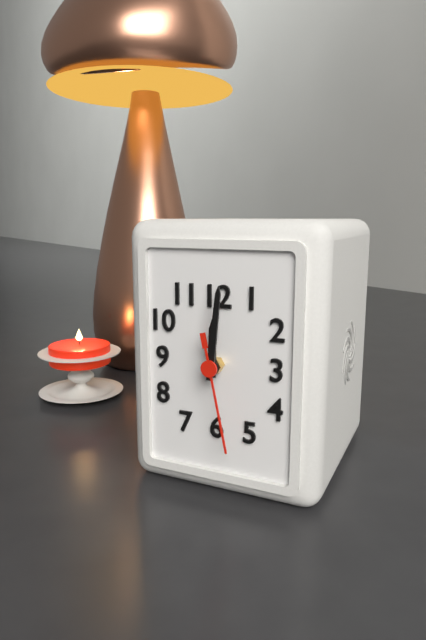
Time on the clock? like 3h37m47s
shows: 12h01m28s
